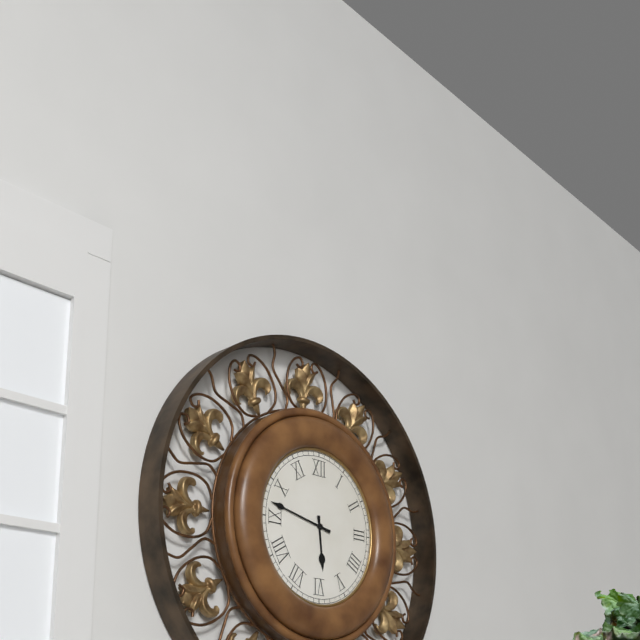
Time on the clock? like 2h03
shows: 5h47
